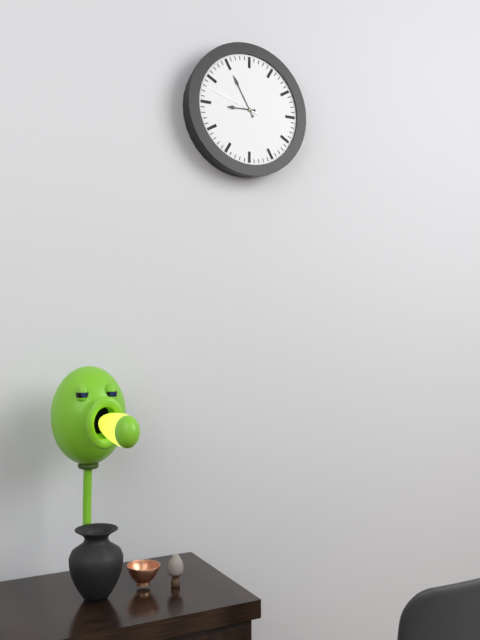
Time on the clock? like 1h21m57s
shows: 8h55m48s
